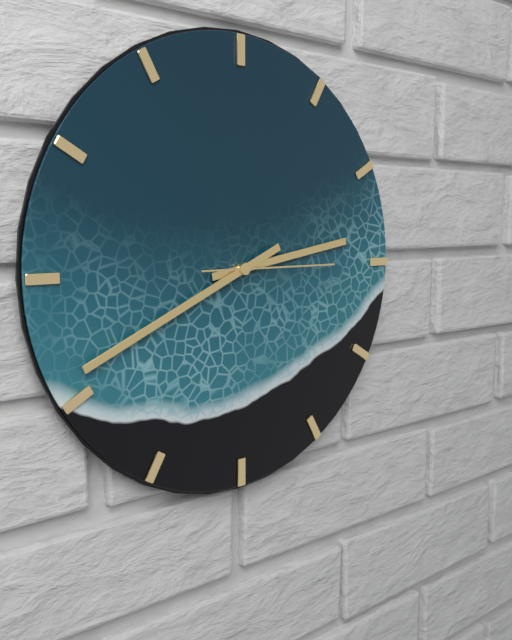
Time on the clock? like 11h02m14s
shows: 2h41m15s
